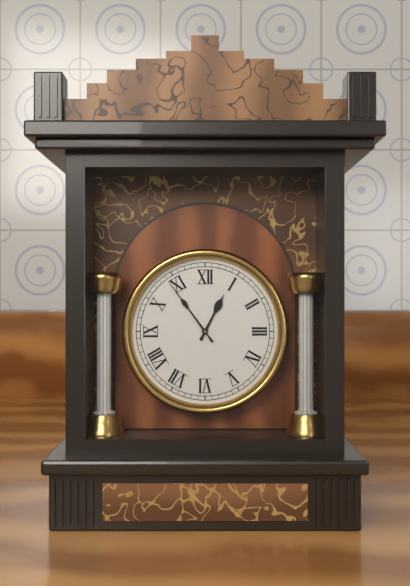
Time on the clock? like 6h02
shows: 12h54
